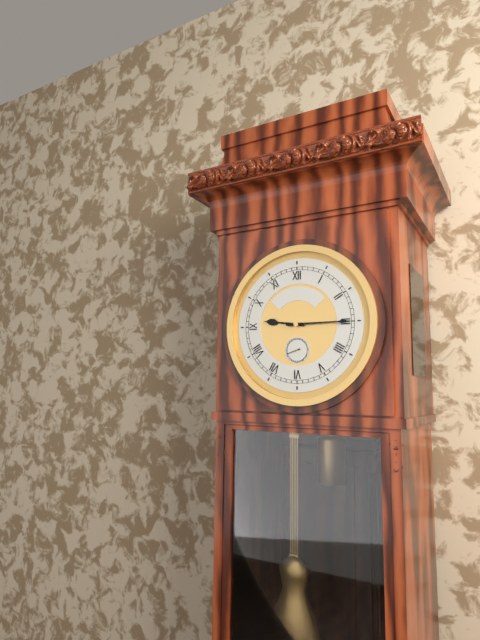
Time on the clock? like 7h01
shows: 9h15
